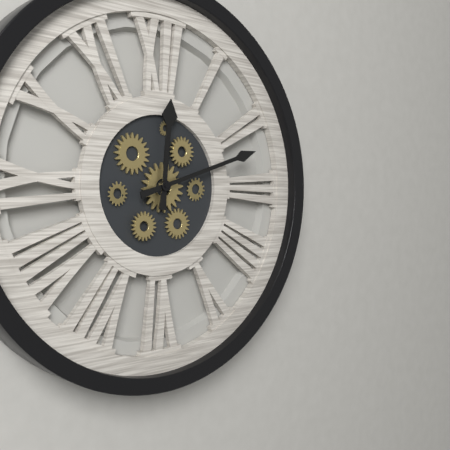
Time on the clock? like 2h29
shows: 12h12
